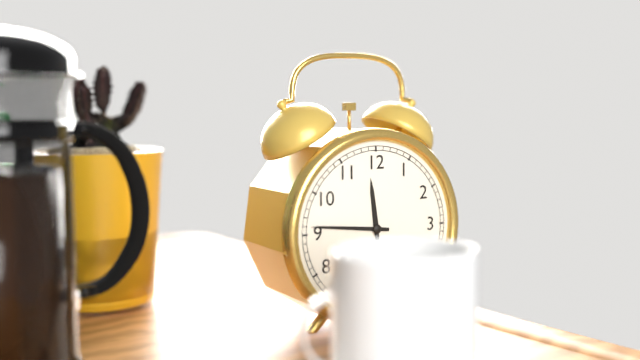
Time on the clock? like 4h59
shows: 11h46
